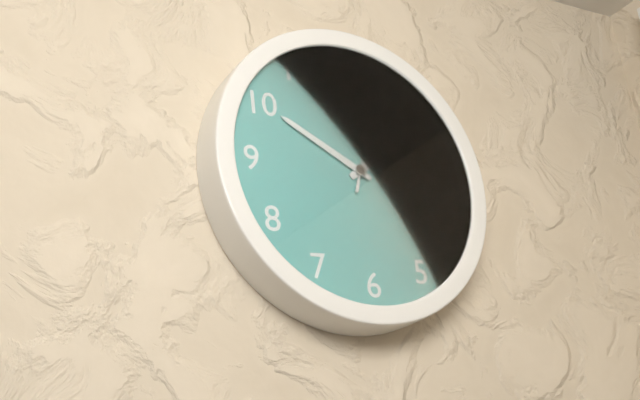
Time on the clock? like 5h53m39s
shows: 1h50m03s
